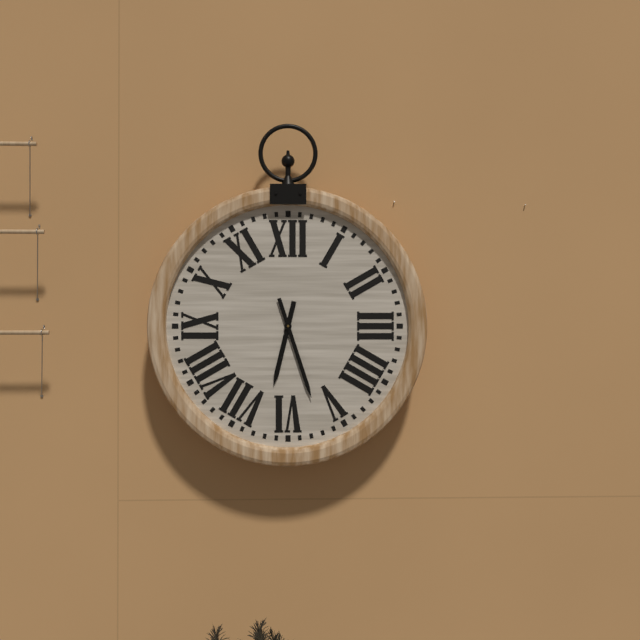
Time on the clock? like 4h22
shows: 6h27
